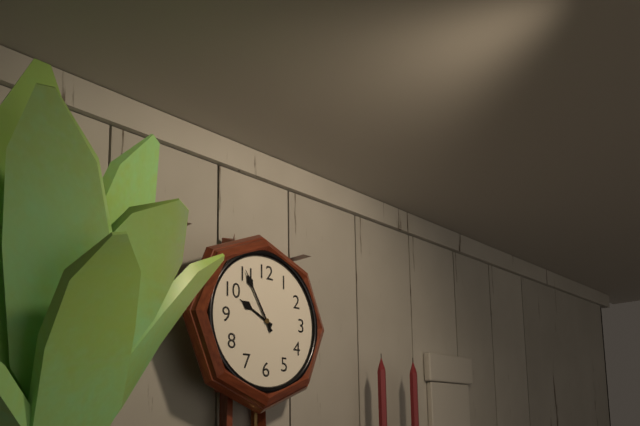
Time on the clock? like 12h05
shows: 9h55
